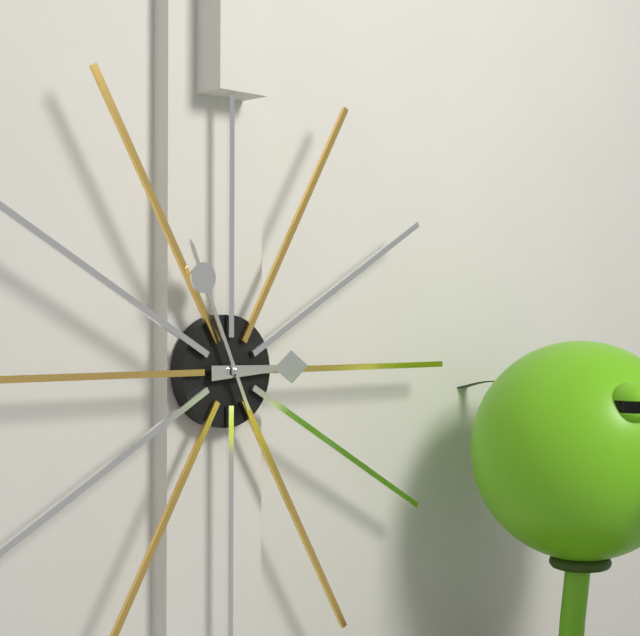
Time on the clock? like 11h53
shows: 2h56
